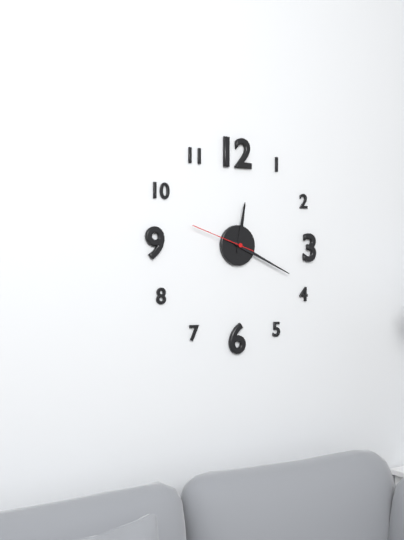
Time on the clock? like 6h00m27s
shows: 12h19m48s
